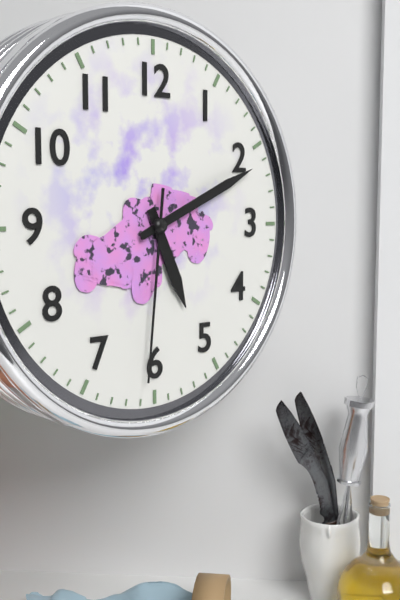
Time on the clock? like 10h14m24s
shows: 5h11m31s
